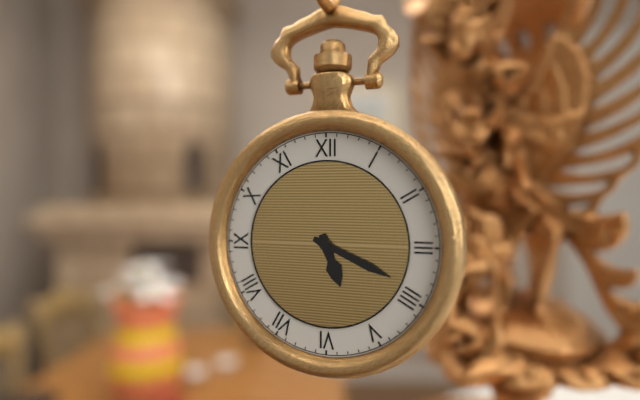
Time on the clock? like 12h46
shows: 5h19
